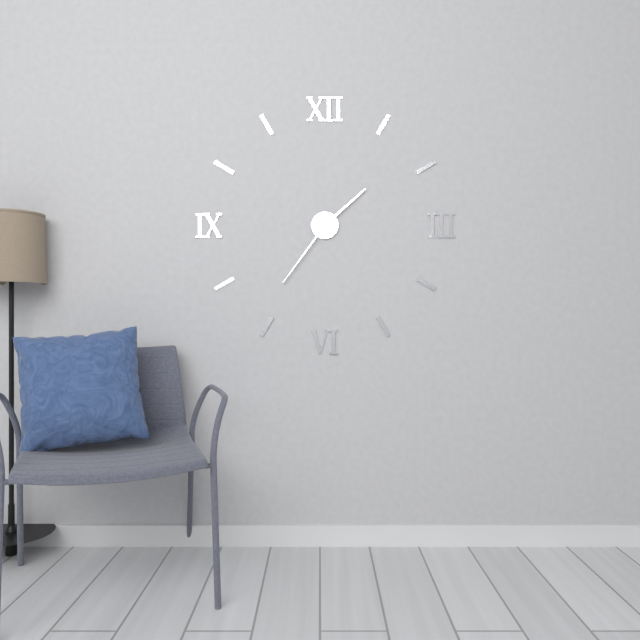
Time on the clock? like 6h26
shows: 1h36
